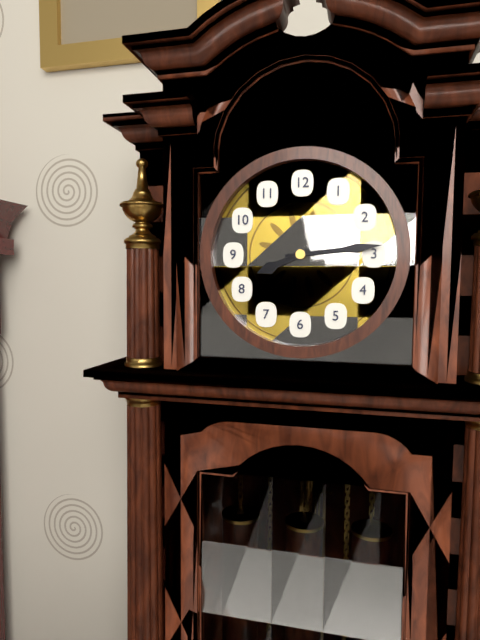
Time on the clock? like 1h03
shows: 8h14
